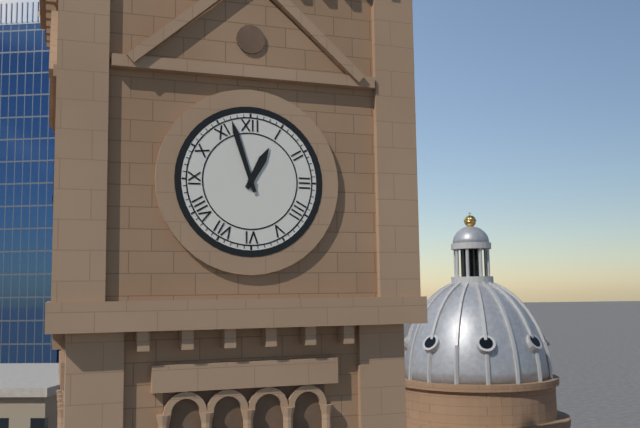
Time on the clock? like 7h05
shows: 12h57
